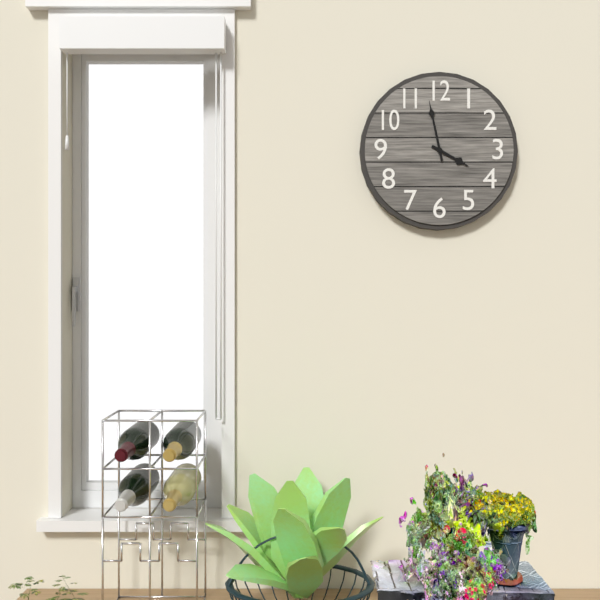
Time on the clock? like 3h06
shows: 3h58
